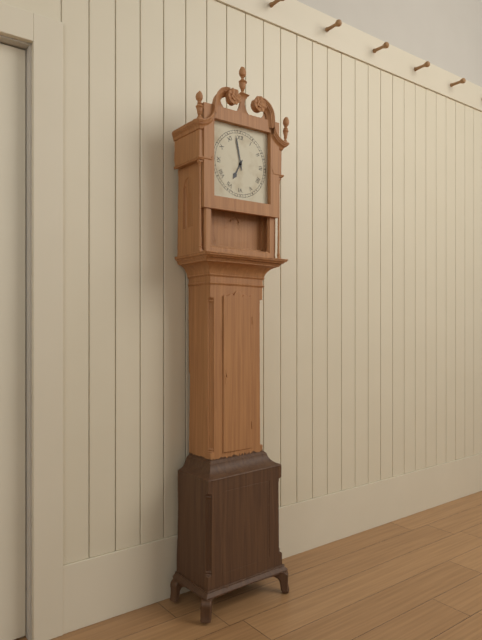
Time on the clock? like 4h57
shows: 6h58
